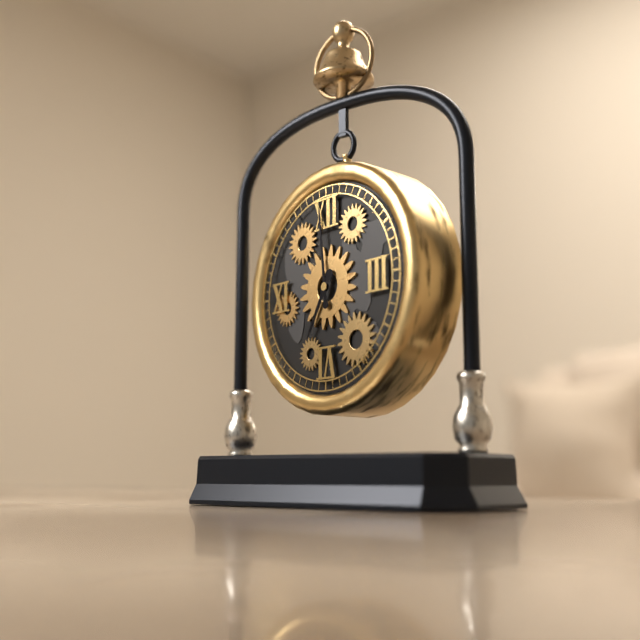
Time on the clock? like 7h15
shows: 6h59
